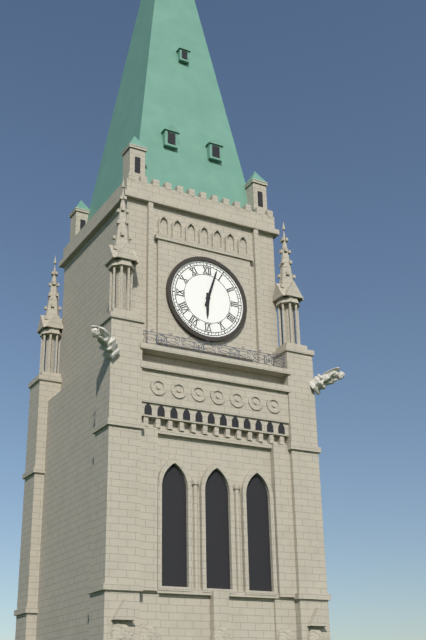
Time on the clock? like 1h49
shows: 6h03
